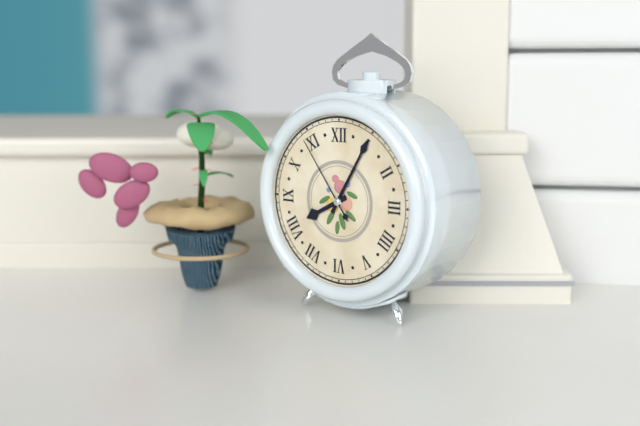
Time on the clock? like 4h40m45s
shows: 8h05m54s
